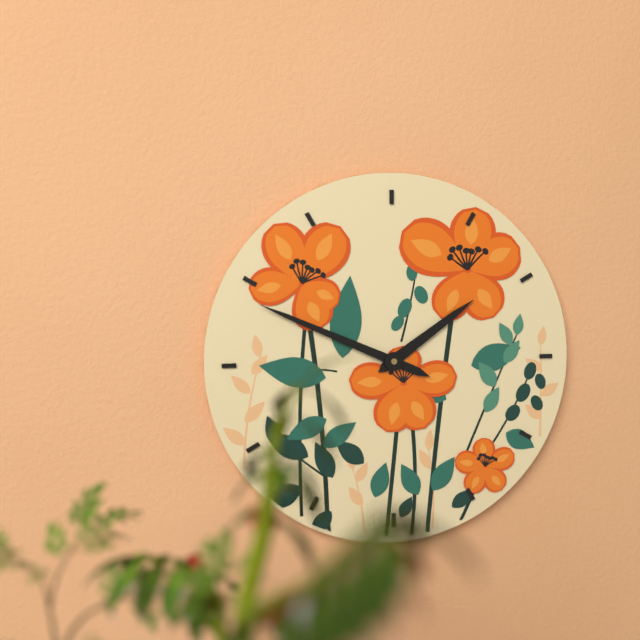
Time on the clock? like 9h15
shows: 1h49
